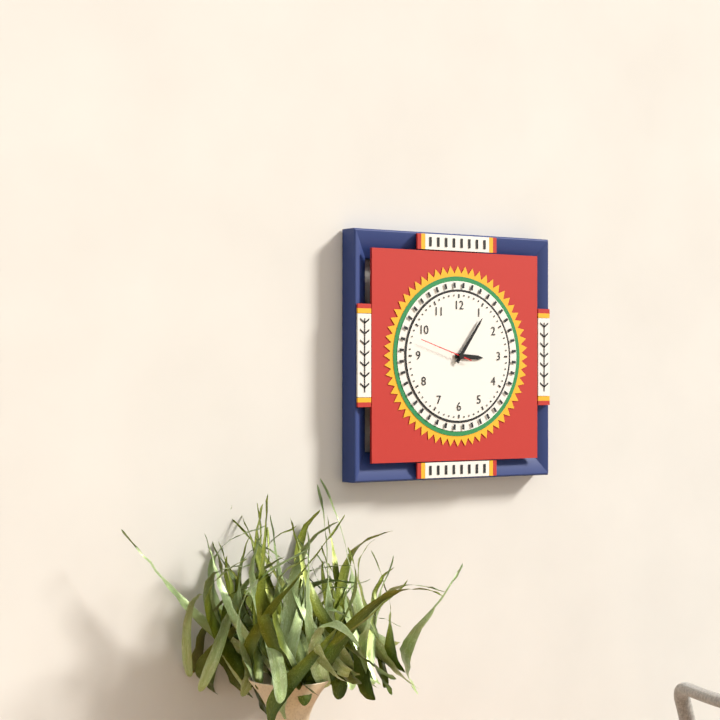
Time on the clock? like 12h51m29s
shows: 3h06m48s
